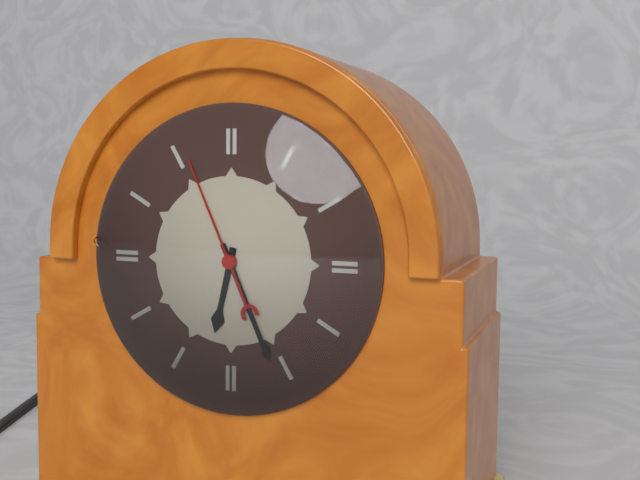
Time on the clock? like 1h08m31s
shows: 6h26m56s
